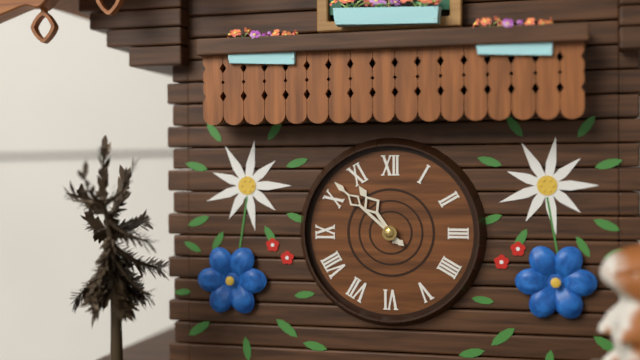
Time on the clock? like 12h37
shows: 10h52
